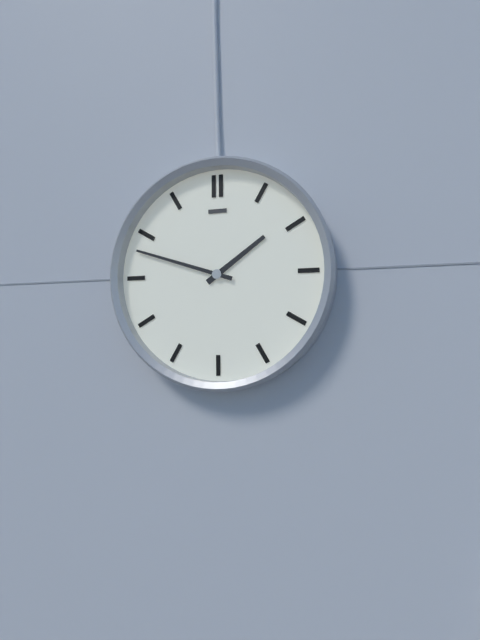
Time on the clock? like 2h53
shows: 1h48
